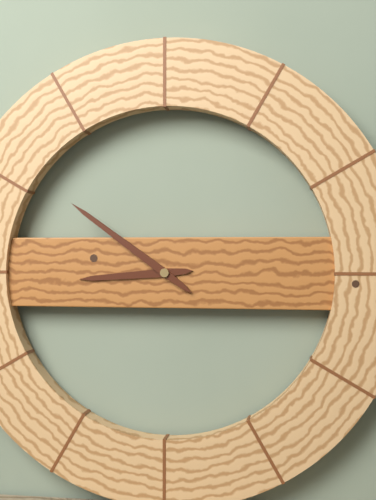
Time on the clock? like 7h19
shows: 8h51
